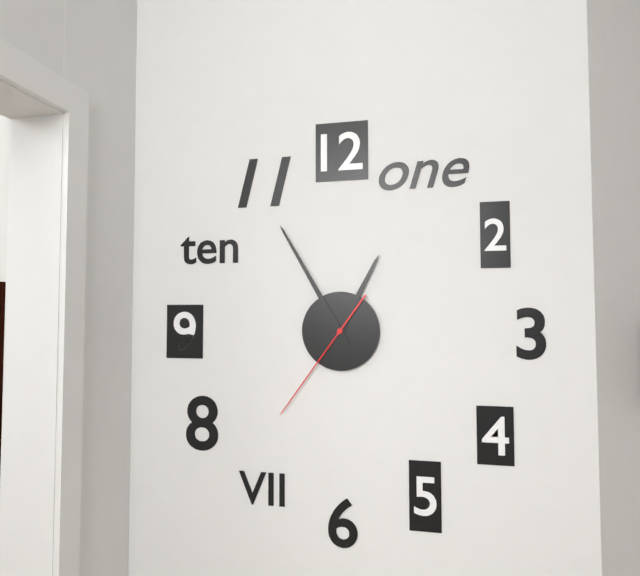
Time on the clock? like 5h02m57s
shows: 12h55m36s
